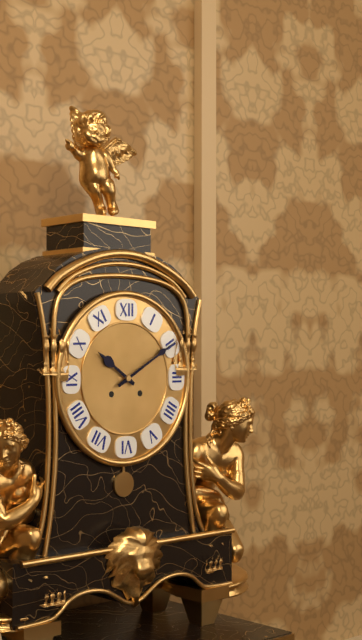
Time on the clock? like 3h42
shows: 10h10
